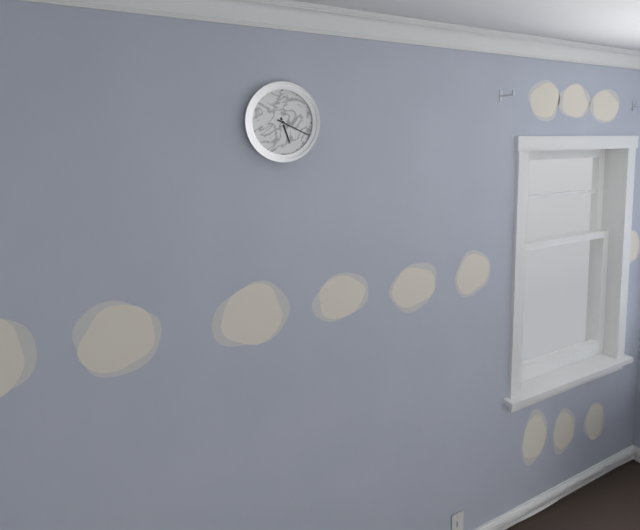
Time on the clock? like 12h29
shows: 5h19
